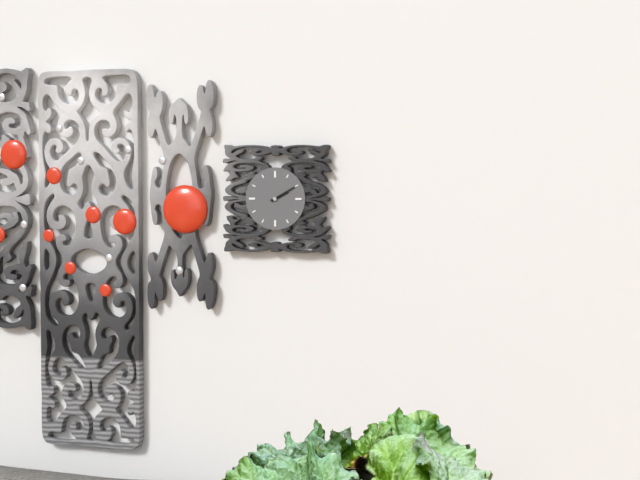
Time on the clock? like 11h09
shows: 2h10
